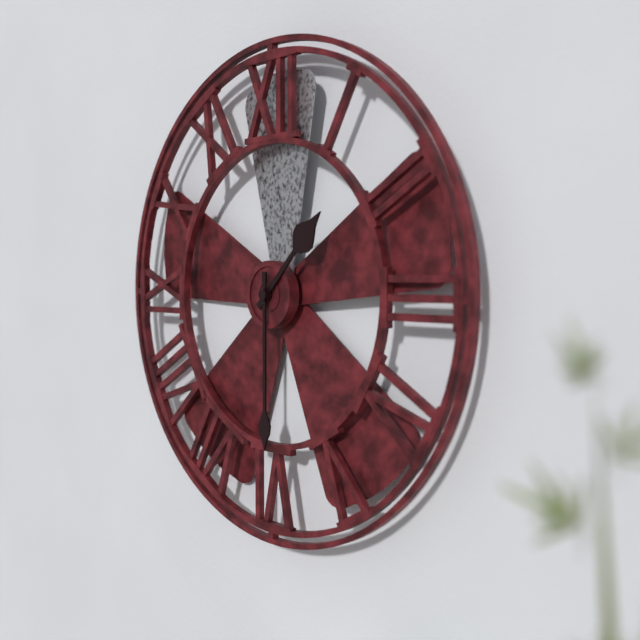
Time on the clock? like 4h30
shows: 1h30
